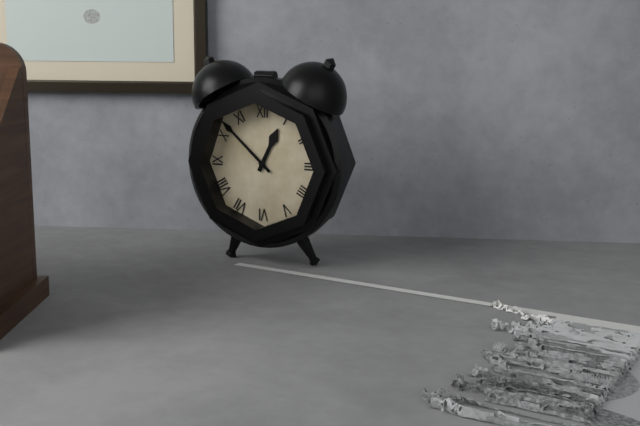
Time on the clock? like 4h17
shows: 12h52
